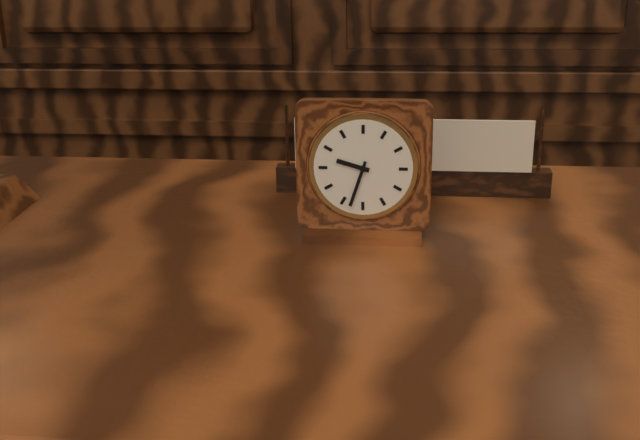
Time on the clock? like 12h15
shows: 9h33
